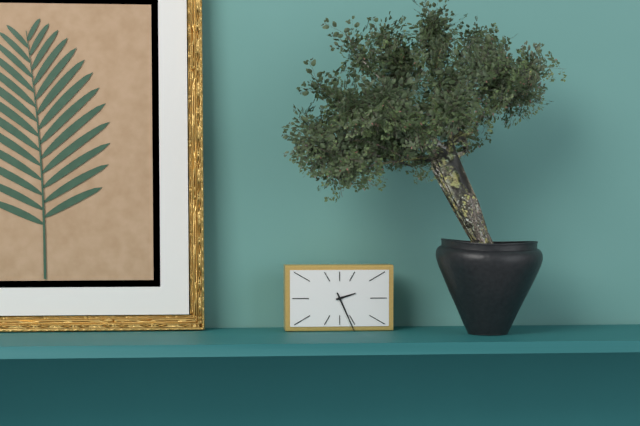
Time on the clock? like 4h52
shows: 2h26
